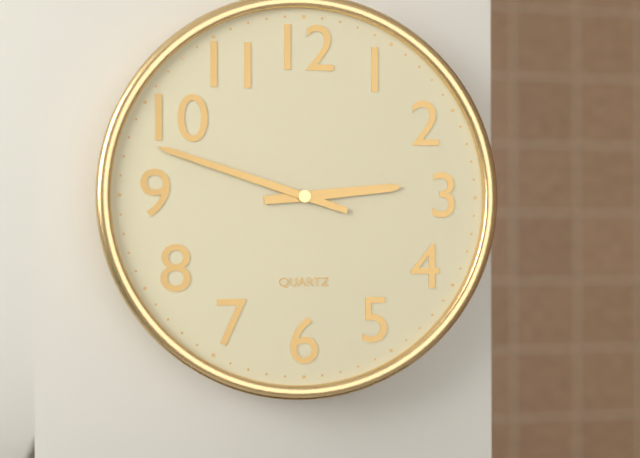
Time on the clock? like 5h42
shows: 2h48
